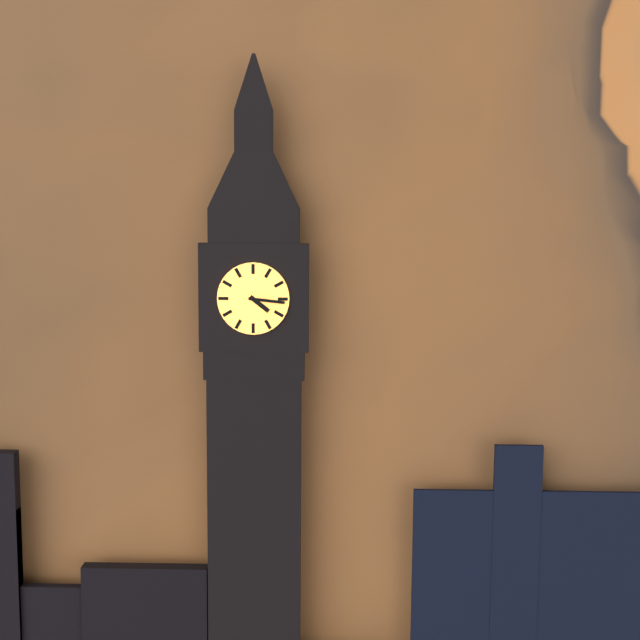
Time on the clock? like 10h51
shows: 4h16
